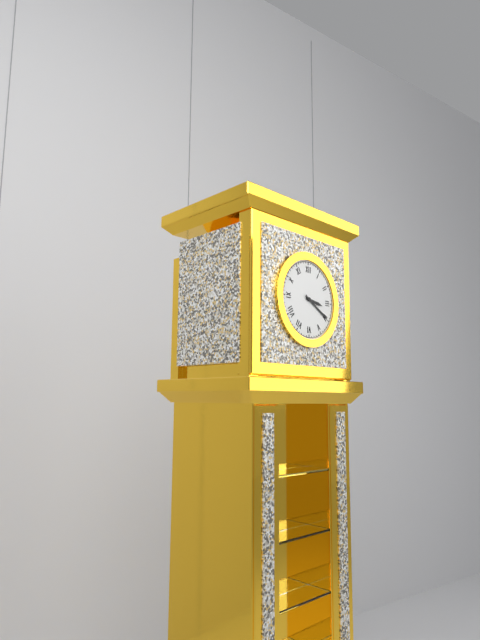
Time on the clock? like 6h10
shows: 3h20
